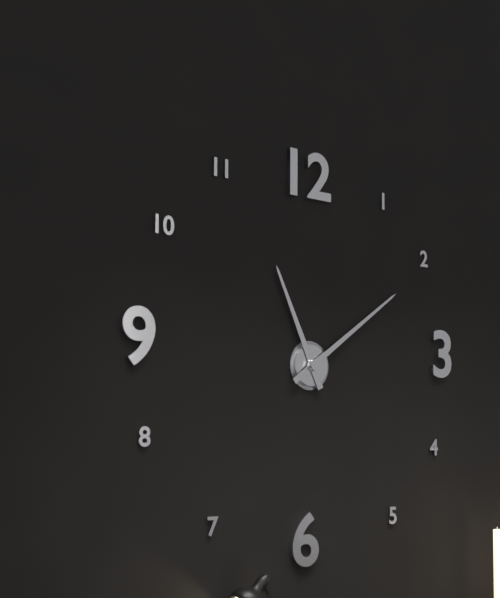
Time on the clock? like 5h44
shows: 11h09
